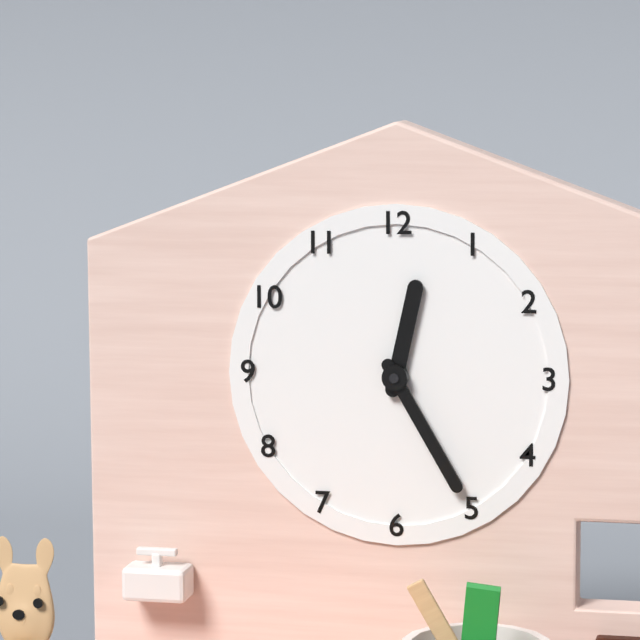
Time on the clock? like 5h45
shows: 12h25
